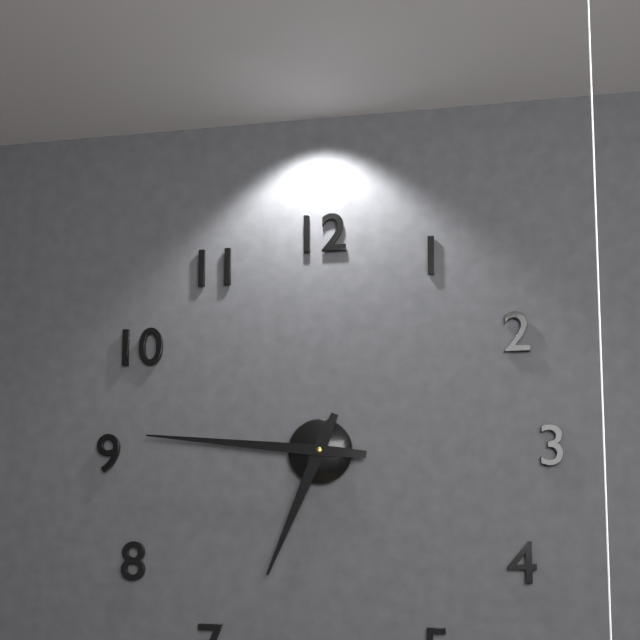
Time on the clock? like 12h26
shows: 6h46
